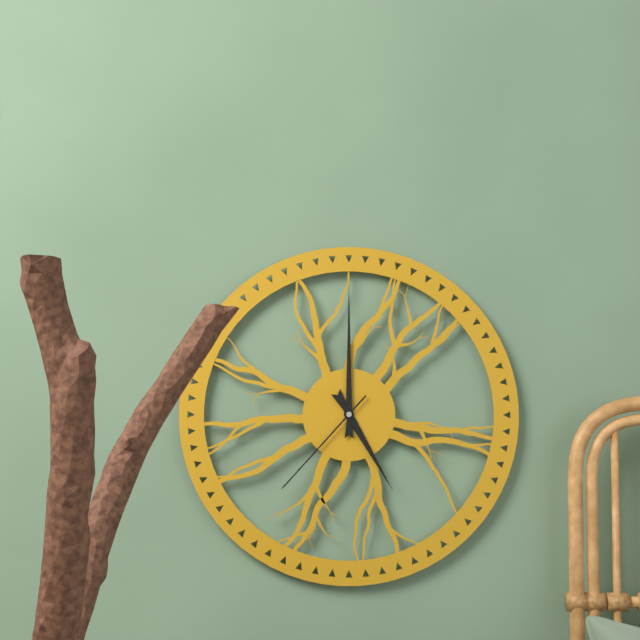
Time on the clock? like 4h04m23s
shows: 5h00m37s
